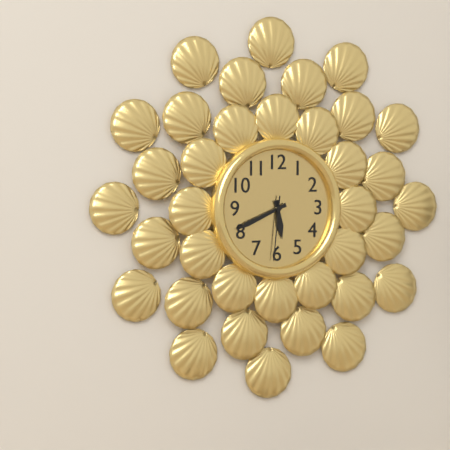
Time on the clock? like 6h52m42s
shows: 5h41m31s
